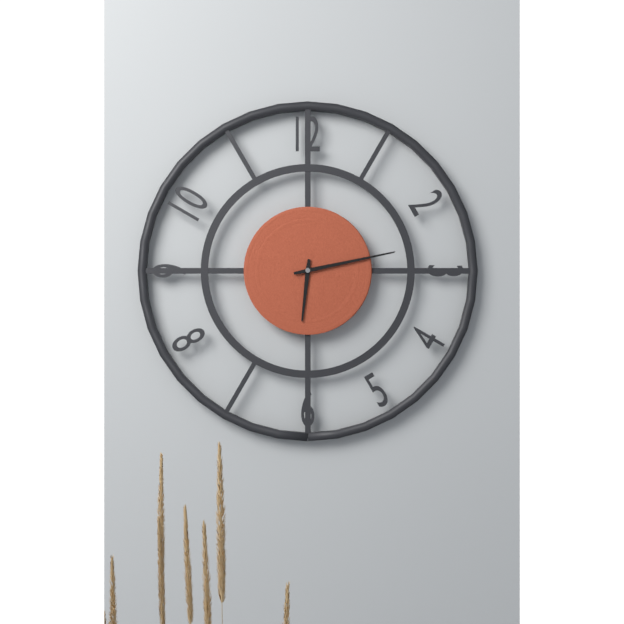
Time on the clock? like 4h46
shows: 6h13
